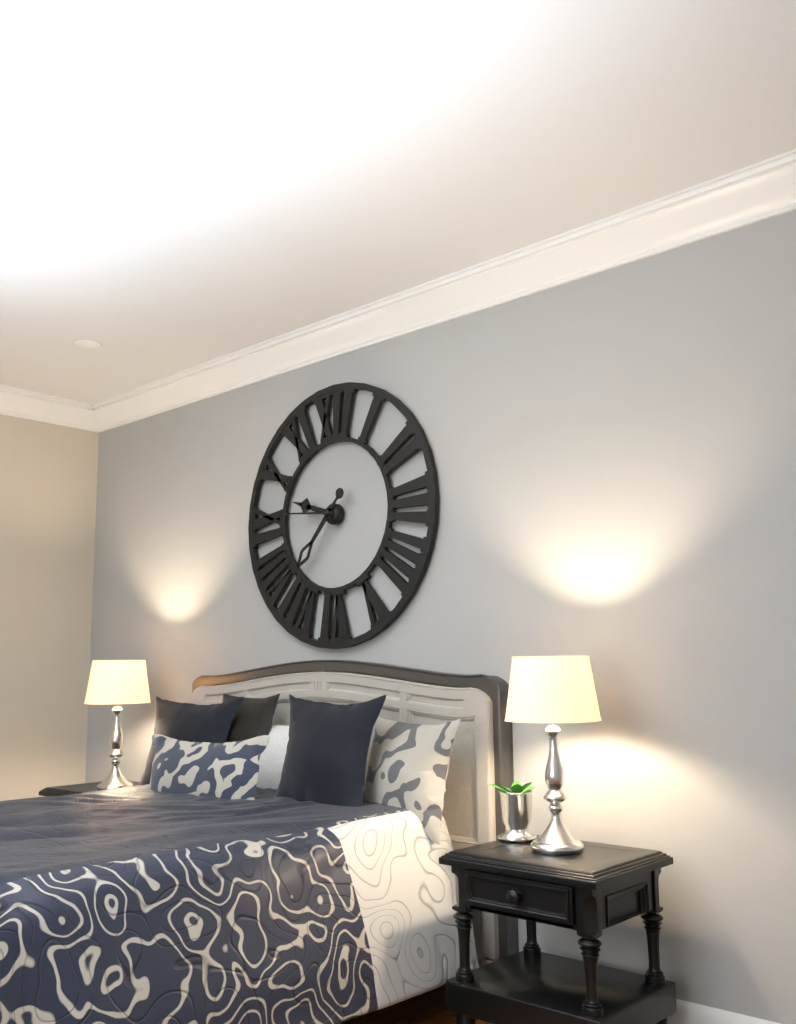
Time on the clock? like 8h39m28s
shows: 9h37m46s
